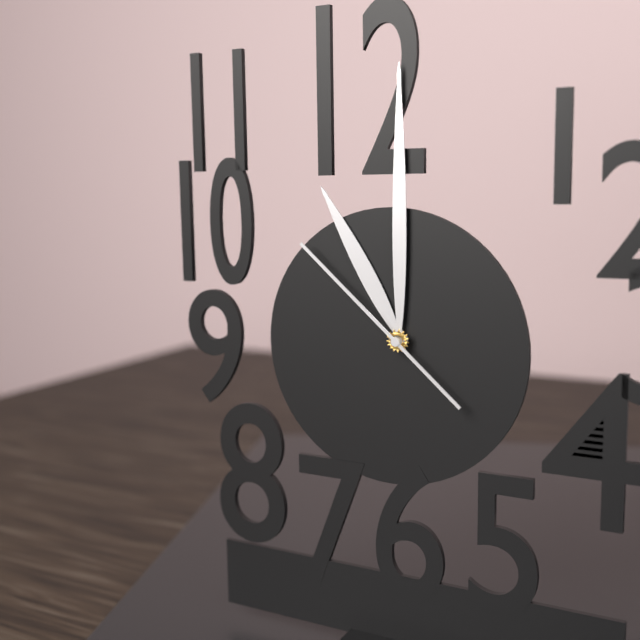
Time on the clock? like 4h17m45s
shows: 11h00m52s
